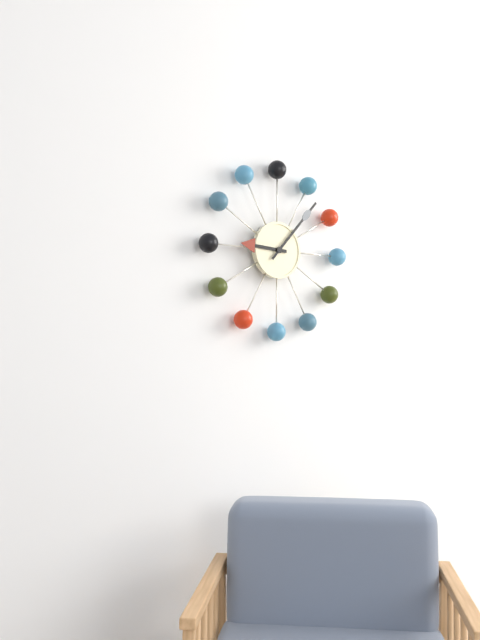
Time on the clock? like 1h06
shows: 9h07
